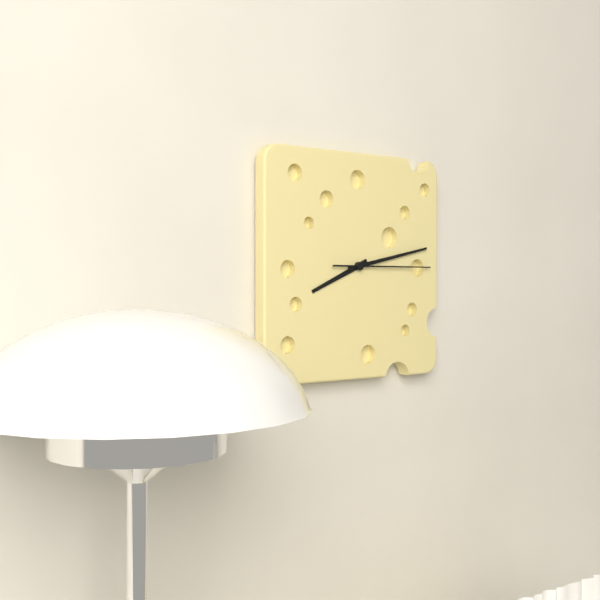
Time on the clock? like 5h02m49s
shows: 8h13m15s
